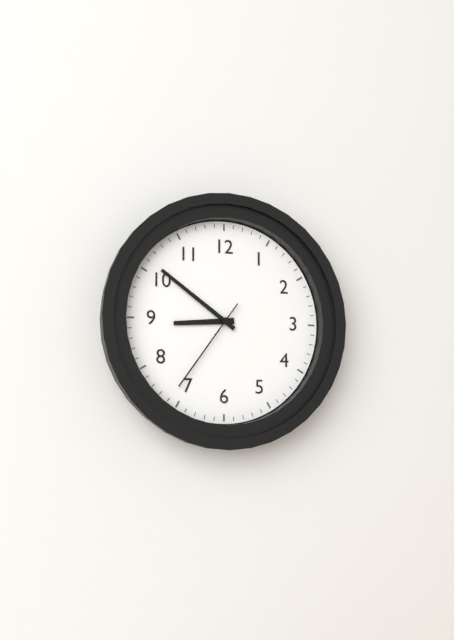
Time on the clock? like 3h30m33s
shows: 8h51m36s
